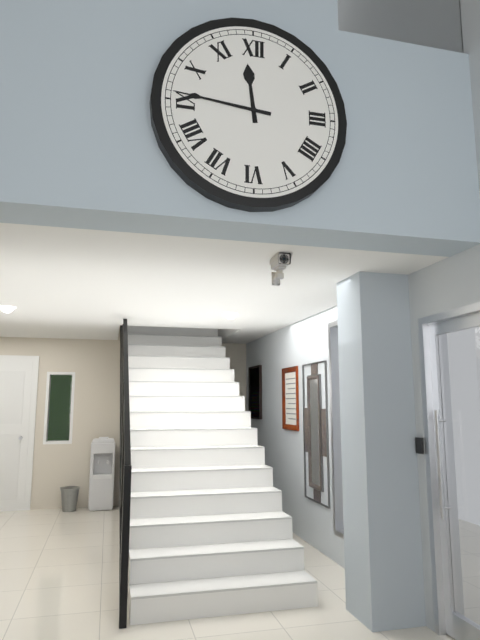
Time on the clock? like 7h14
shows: 11h46
